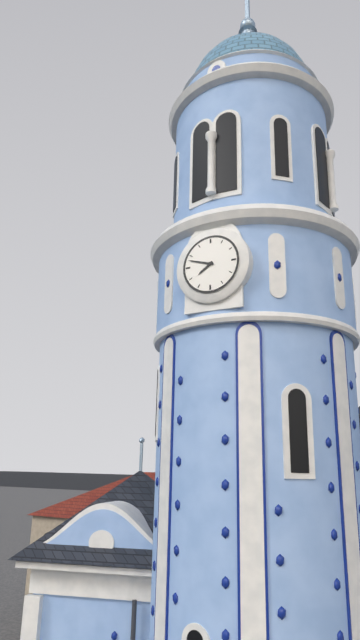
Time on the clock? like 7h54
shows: 7h48
